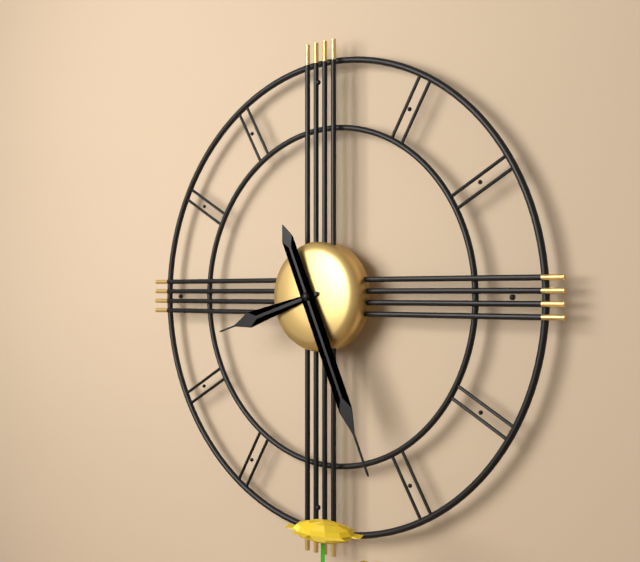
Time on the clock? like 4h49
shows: 8h26
